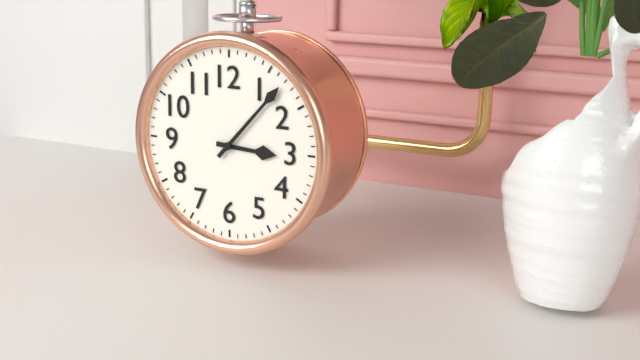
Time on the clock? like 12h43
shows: 3h07
